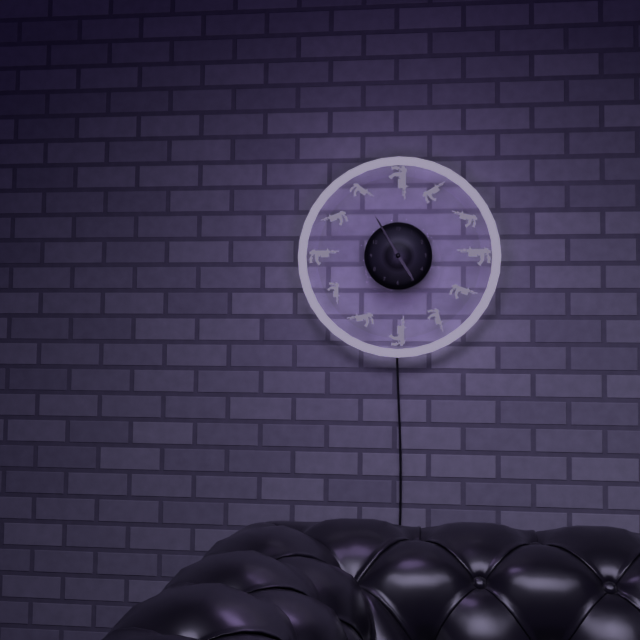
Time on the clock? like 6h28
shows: 4h55
